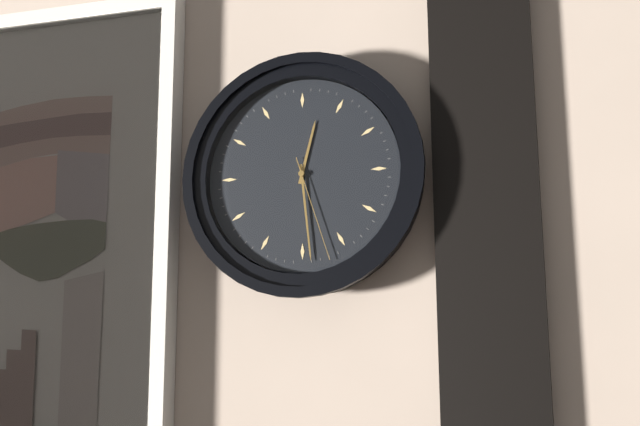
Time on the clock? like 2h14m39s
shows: 12h29m27s
